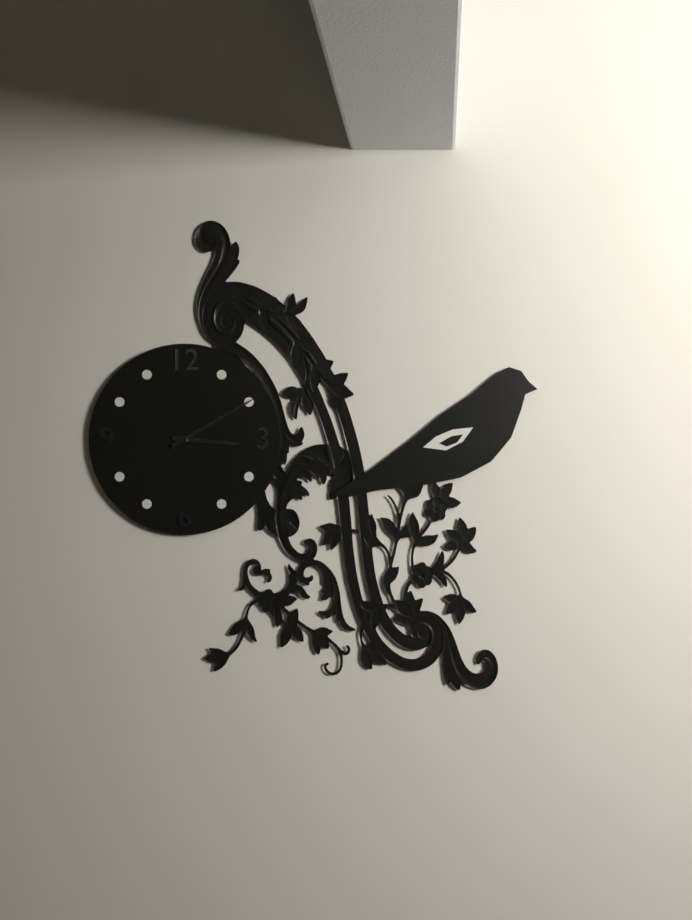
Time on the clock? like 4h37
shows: 3h10
